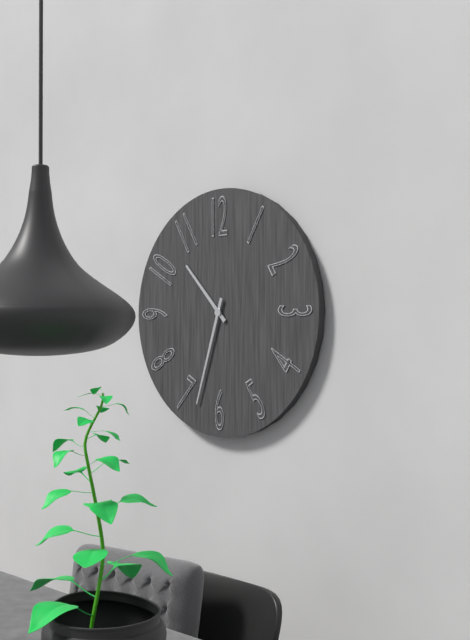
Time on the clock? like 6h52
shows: 10h33
